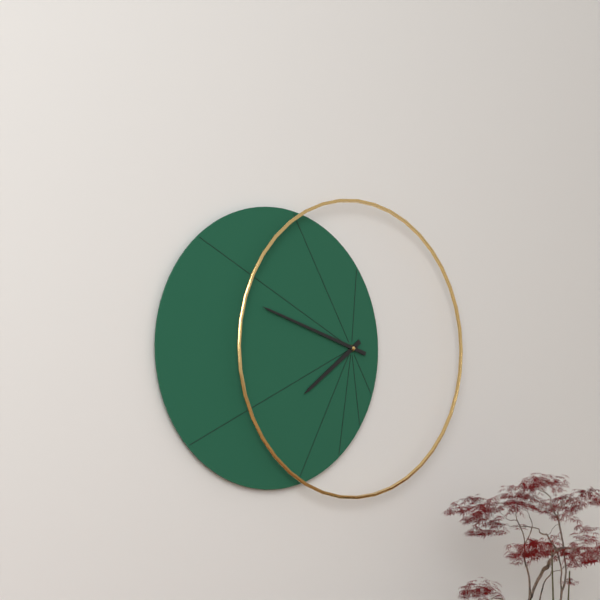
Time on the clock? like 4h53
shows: 7h48
